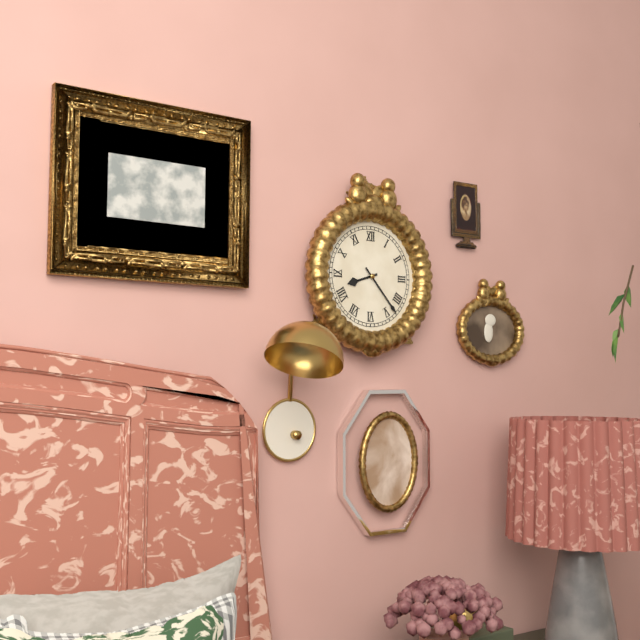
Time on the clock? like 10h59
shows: 8h23
